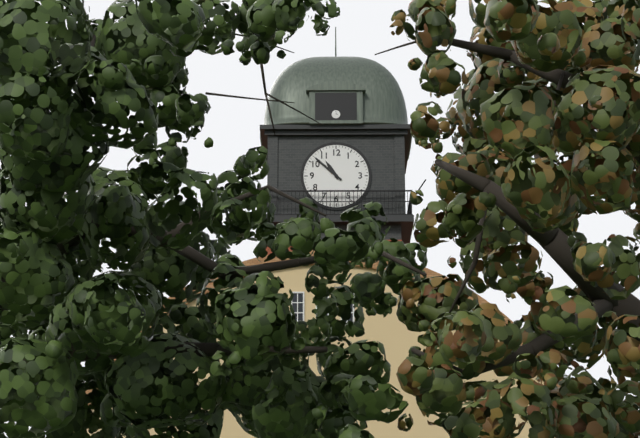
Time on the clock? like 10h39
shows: 10h52
